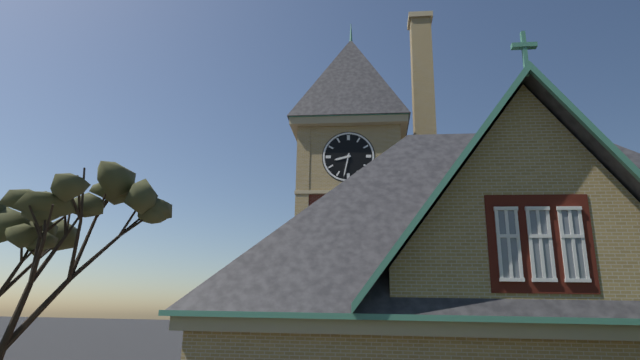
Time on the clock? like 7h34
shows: 8h32
